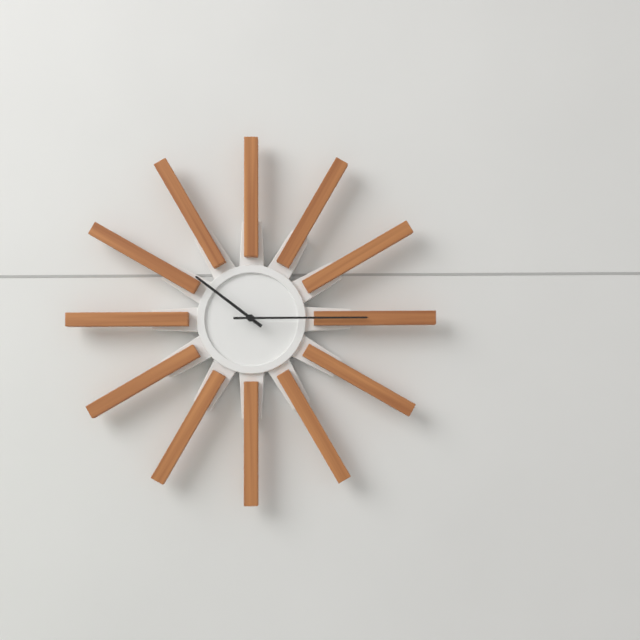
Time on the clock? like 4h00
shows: 10h15
